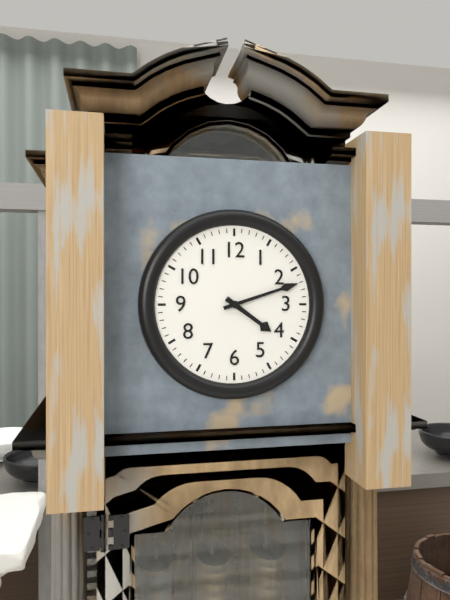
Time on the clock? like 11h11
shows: 4h12
